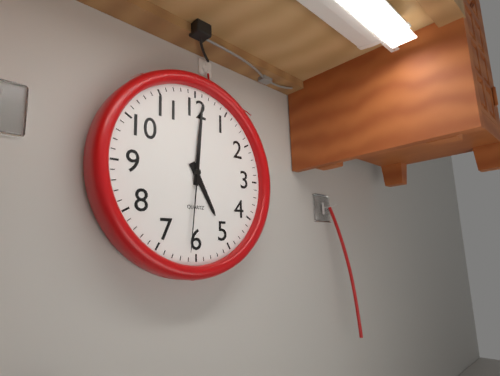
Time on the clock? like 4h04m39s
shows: 5h01m31s
